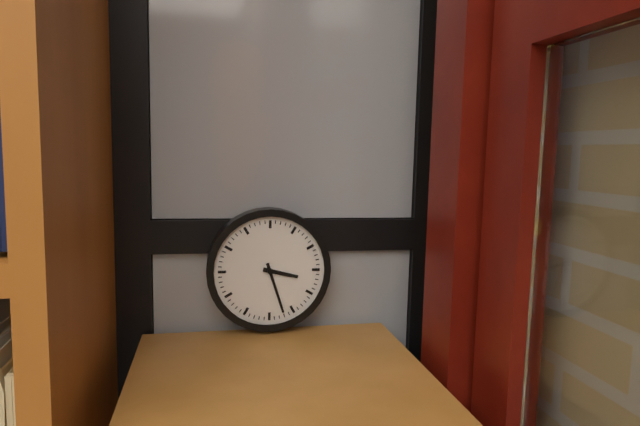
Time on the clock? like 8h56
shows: 3h27
